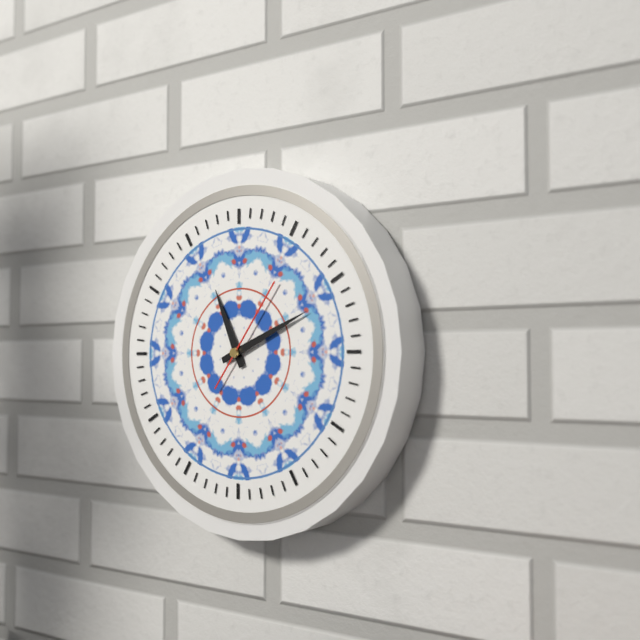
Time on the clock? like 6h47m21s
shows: 11h11m06s
